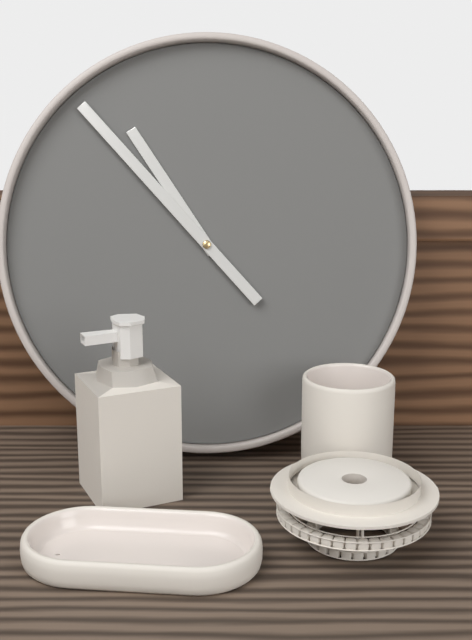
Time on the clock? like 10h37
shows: 10h53
